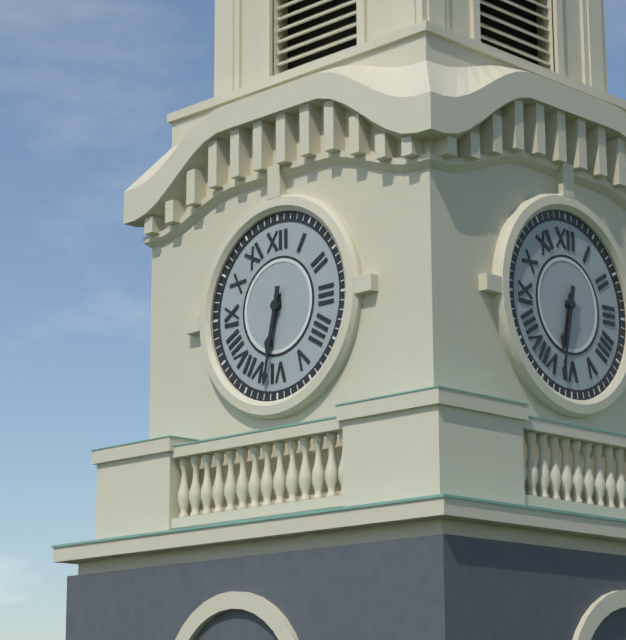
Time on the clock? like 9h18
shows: 6h32
